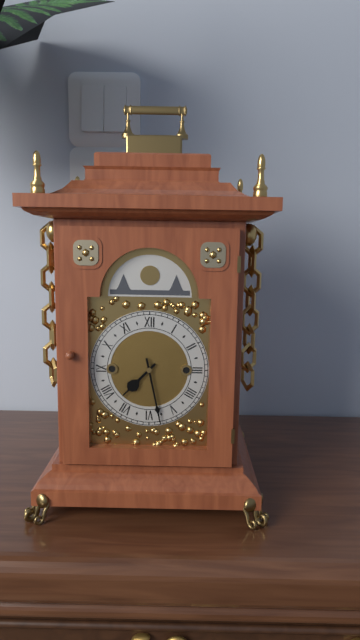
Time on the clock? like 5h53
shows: 7h28
